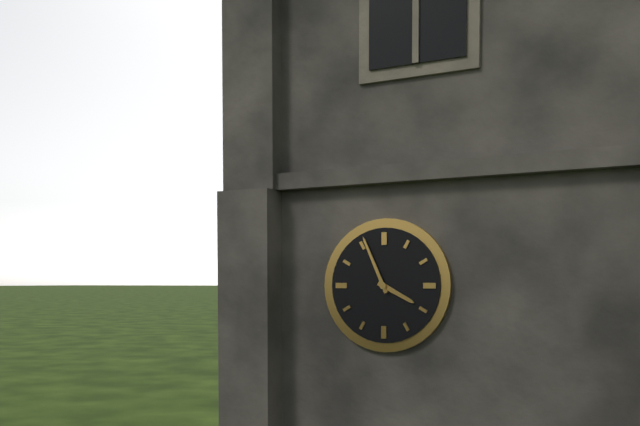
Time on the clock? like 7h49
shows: 3h56
